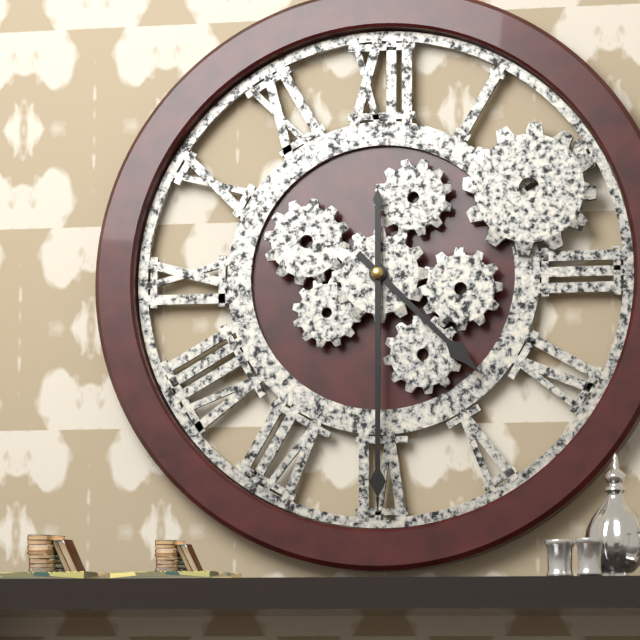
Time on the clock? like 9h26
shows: 4h30
